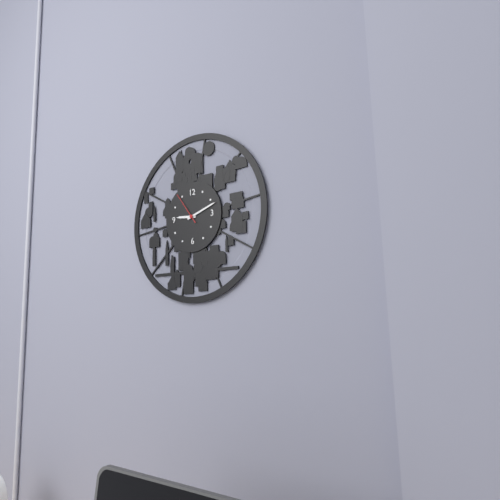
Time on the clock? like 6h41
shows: 9h12
